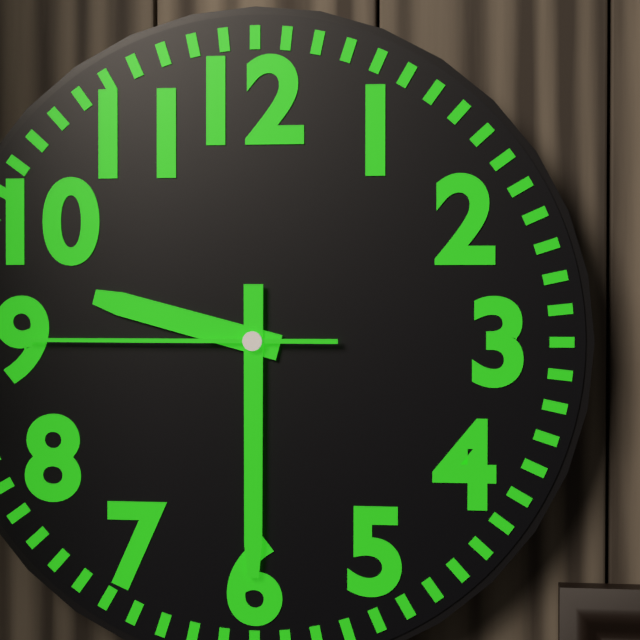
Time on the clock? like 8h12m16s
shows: 9h30m45s
